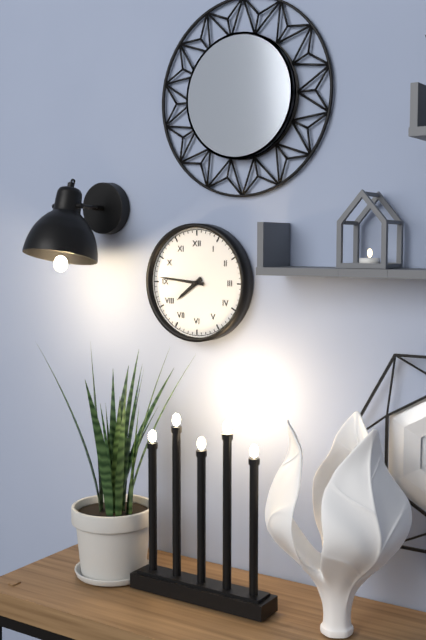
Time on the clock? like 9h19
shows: 7h46
